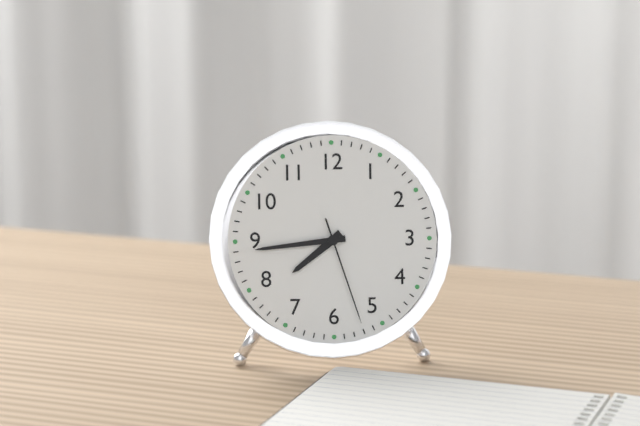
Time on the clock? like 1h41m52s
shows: 7h44m27s
